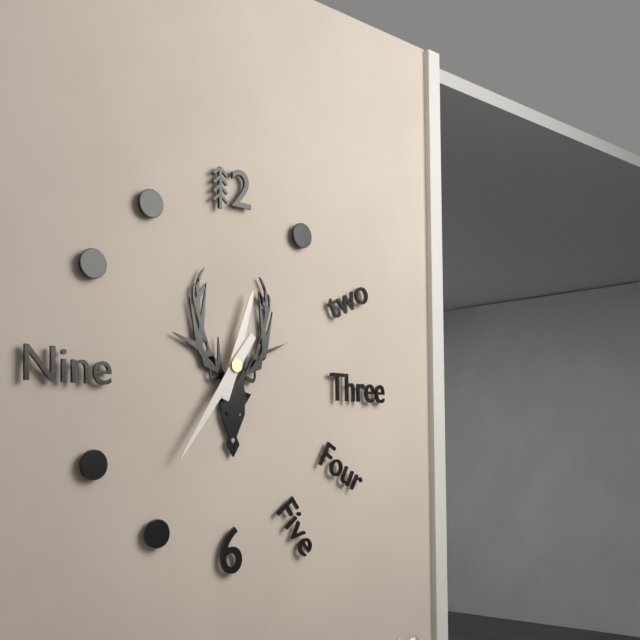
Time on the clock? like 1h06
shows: 12h36
